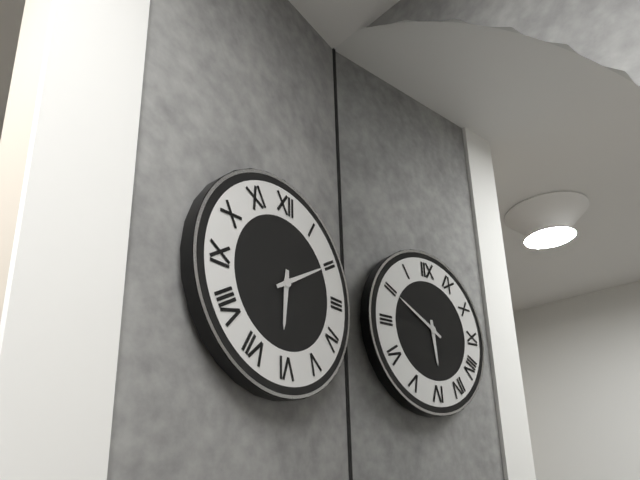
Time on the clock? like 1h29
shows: 6h10
